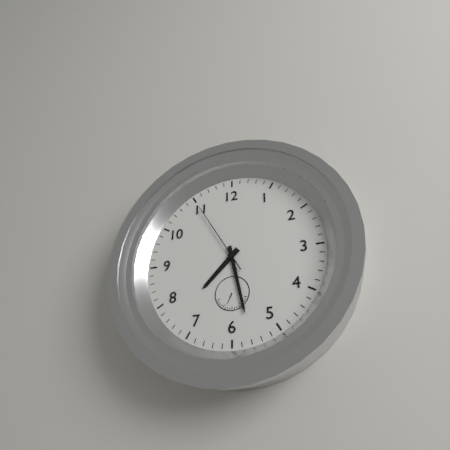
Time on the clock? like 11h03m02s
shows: 7h28m55s
